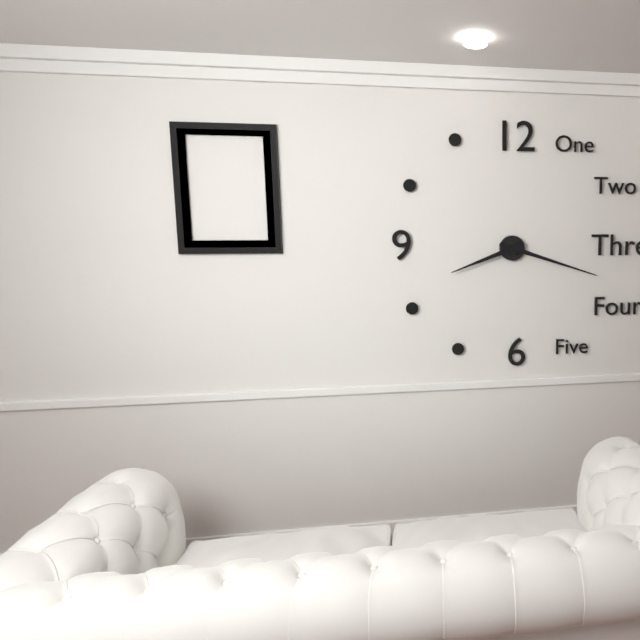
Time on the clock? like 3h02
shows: 8h18
